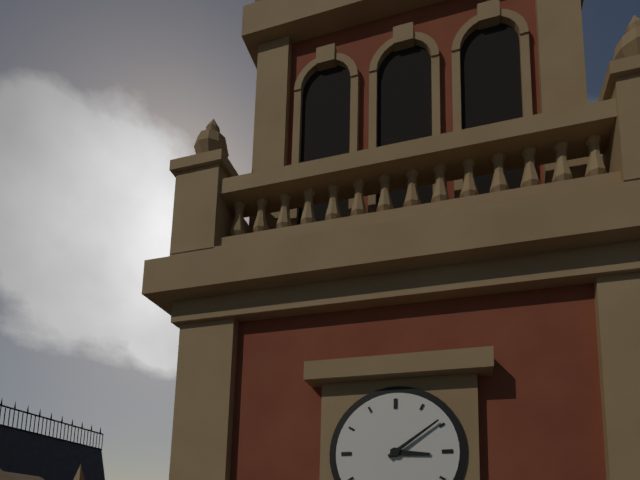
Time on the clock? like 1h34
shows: 3h09
